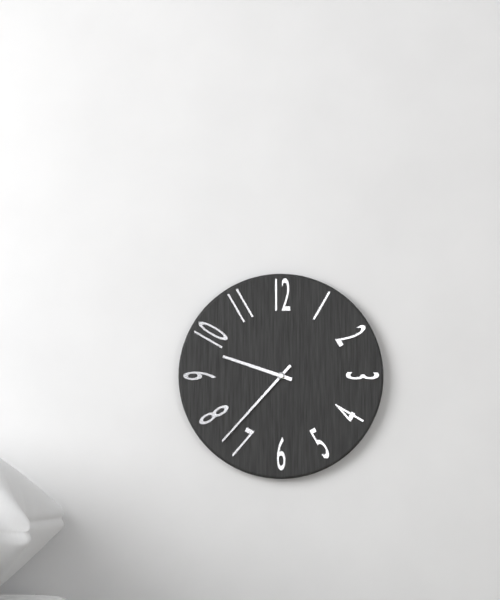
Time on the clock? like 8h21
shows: 9h37
